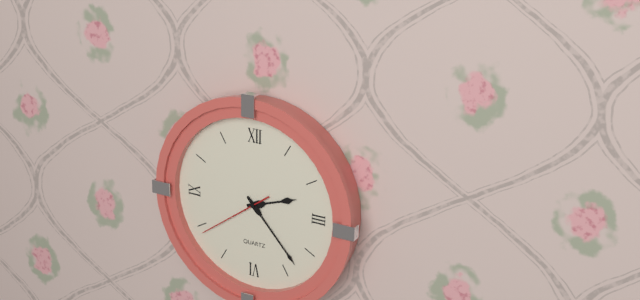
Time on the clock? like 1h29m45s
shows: 2h23m39s
